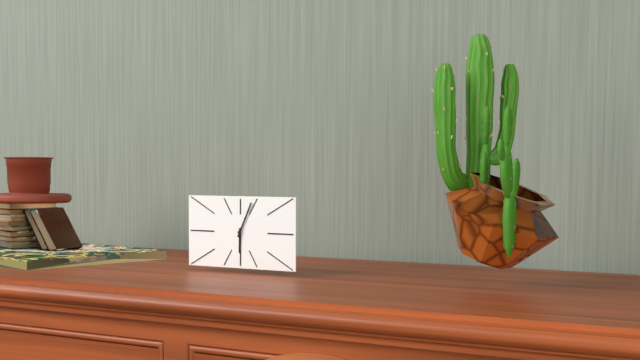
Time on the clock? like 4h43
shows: 6h04
